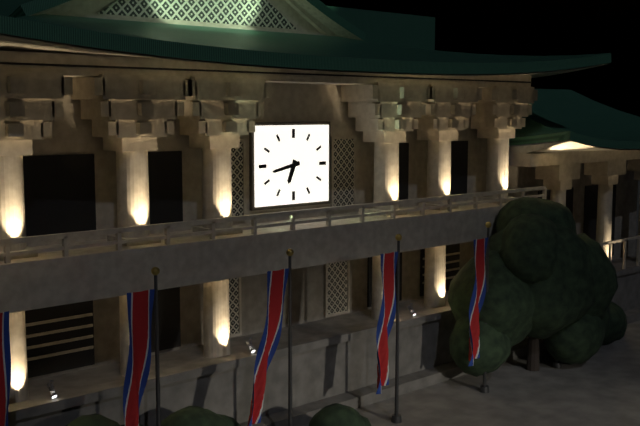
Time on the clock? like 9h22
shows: 6h43
